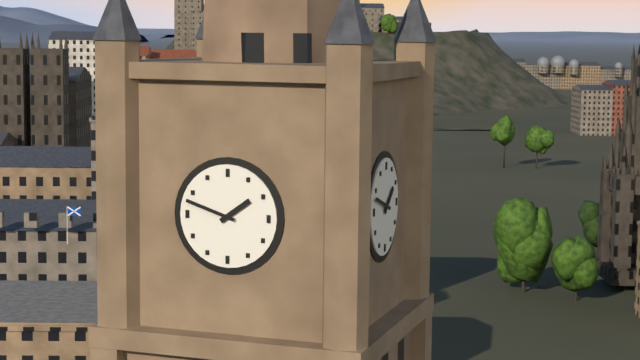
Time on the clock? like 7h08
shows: 1h48
